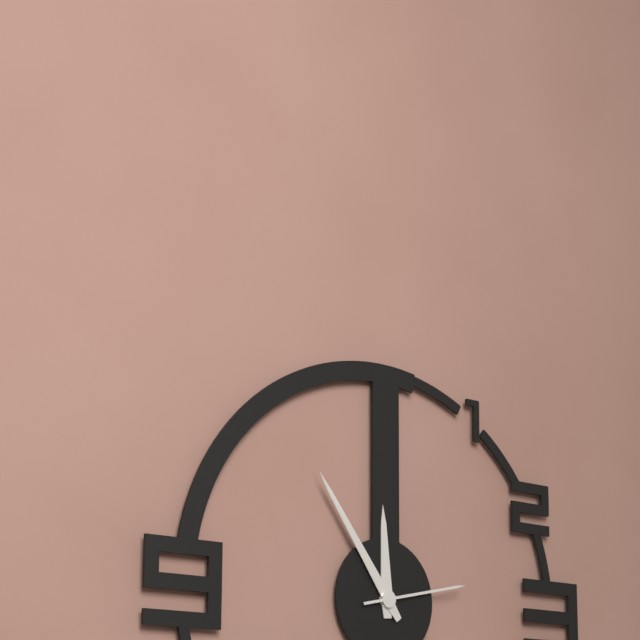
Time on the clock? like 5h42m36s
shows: 11h54m13s
